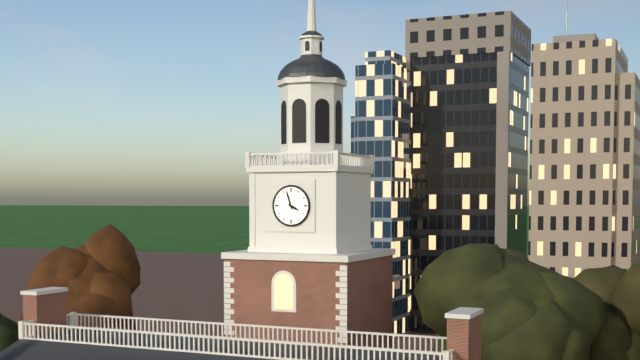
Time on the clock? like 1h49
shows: 3h57
